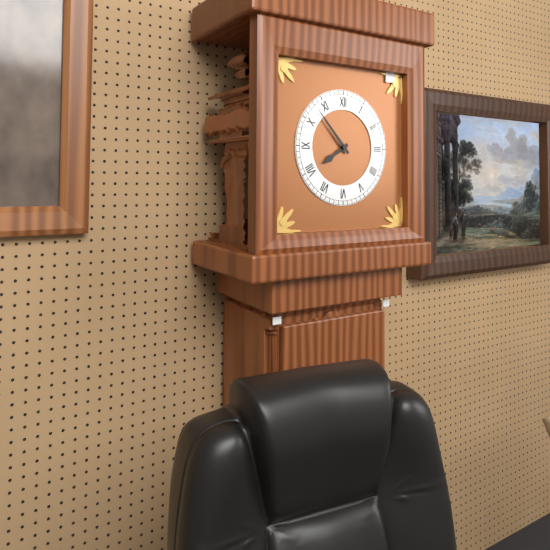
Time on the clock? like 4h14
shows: 7h53
